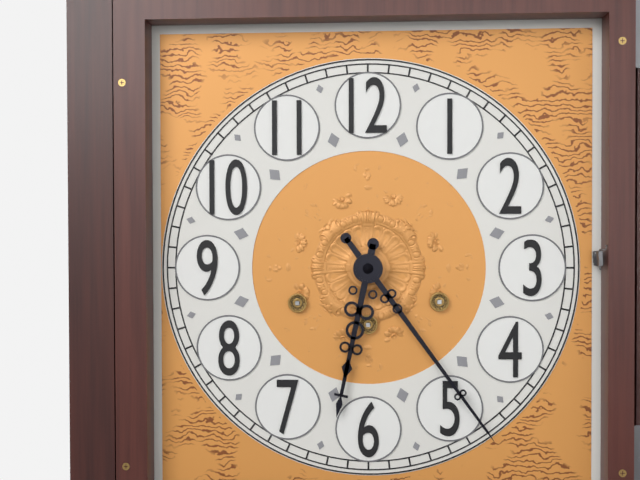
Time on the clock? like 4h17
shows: 6h24
